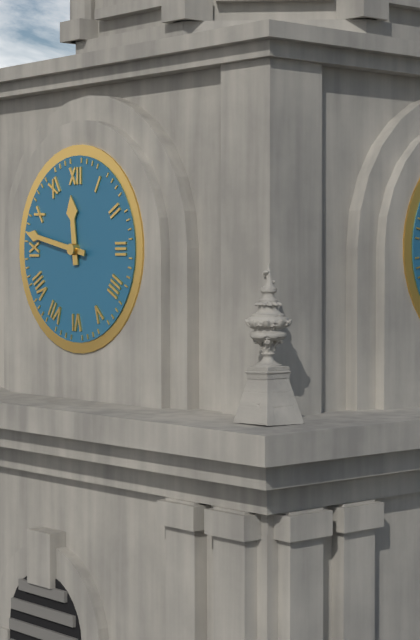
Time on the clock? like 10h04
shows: 11h47
